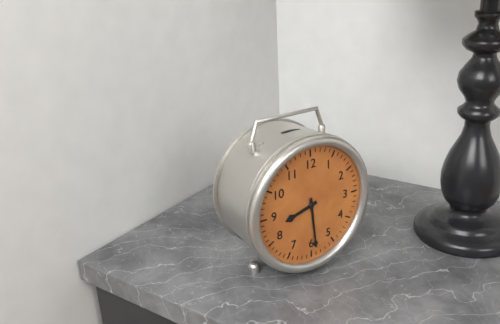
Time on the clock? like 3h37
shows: 8h29
